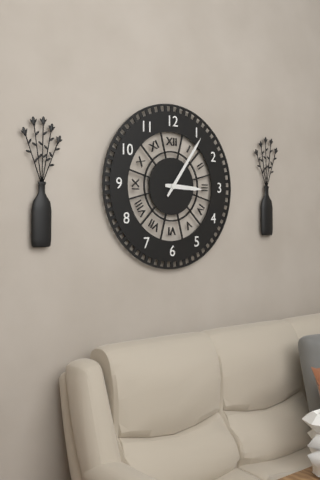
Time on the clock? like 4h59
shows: 3h06
